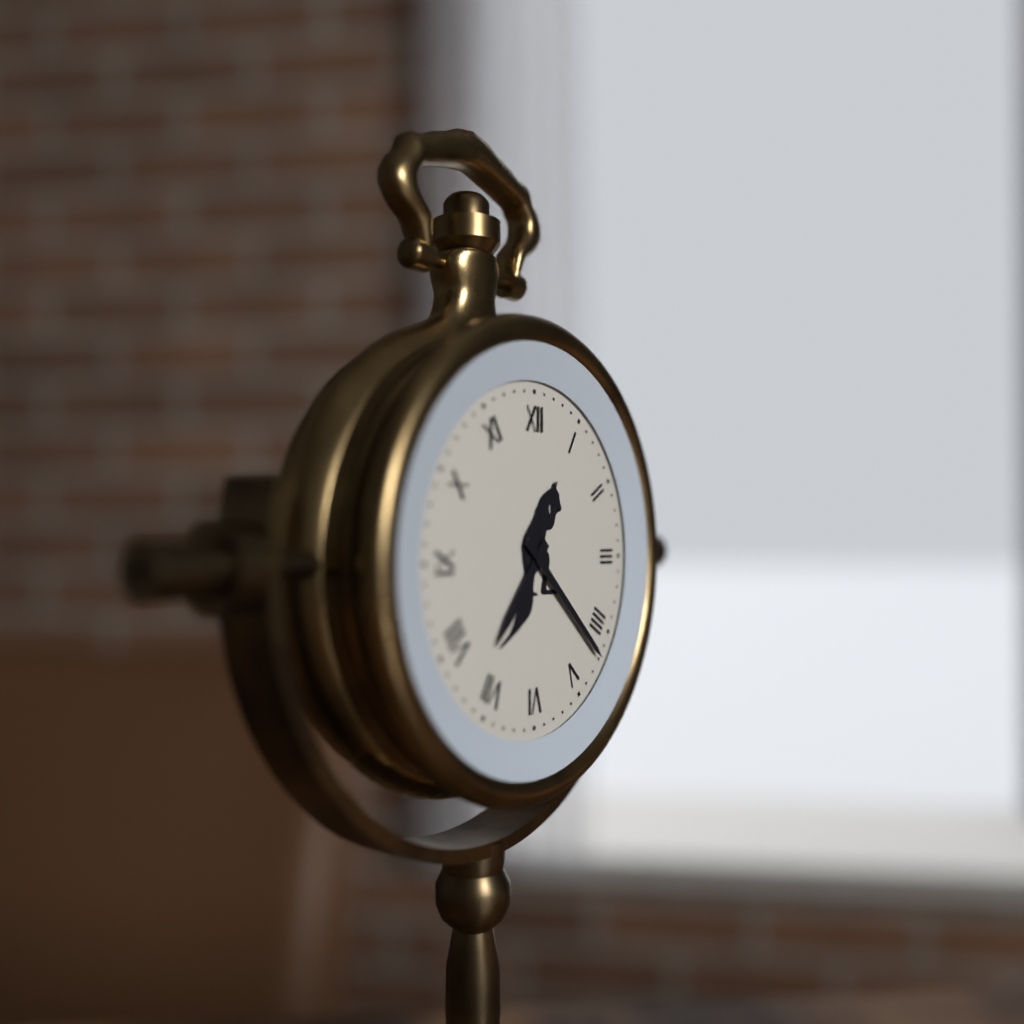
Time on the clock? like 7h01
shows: 7h22
